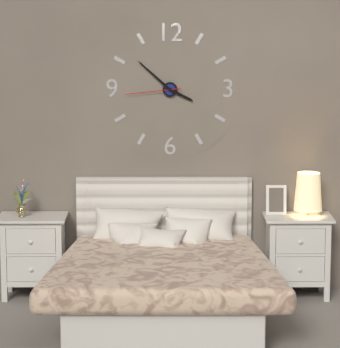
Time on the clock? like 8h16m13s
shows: 3h52m44s
